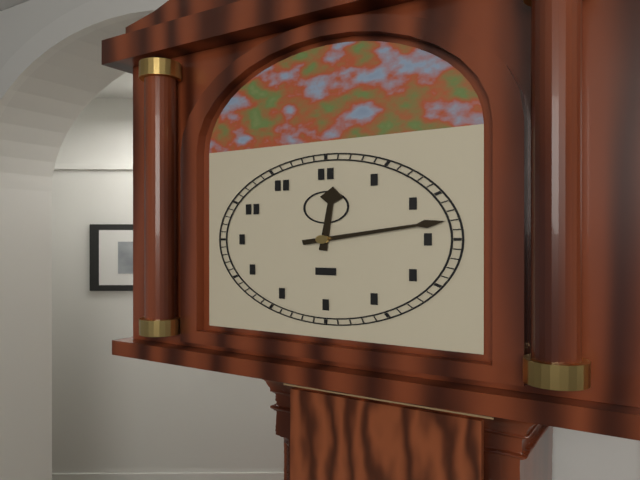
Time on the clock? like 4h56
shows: 12h13
